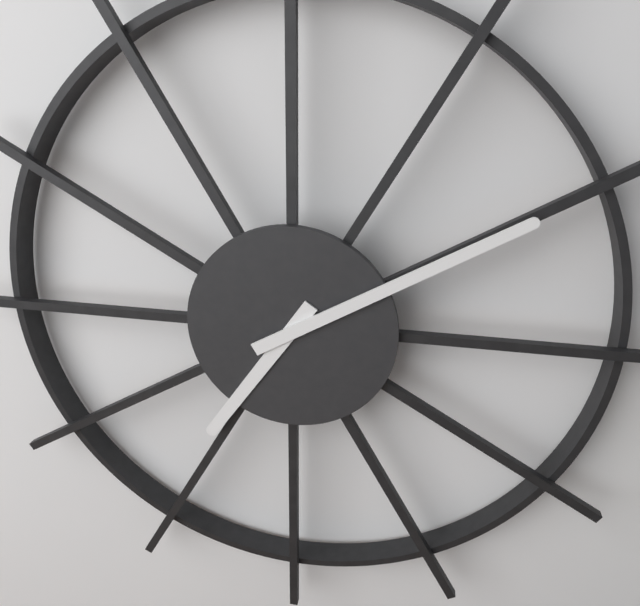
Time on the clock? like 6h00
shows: 7h10
